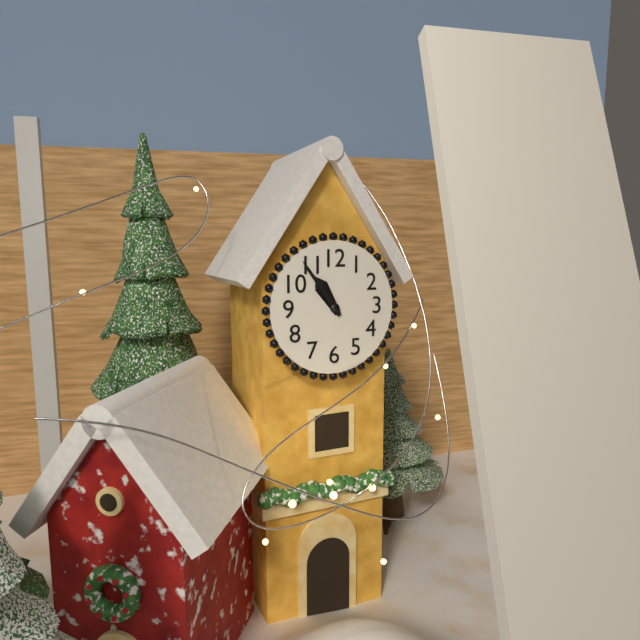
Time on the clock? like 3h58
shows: 10h54
